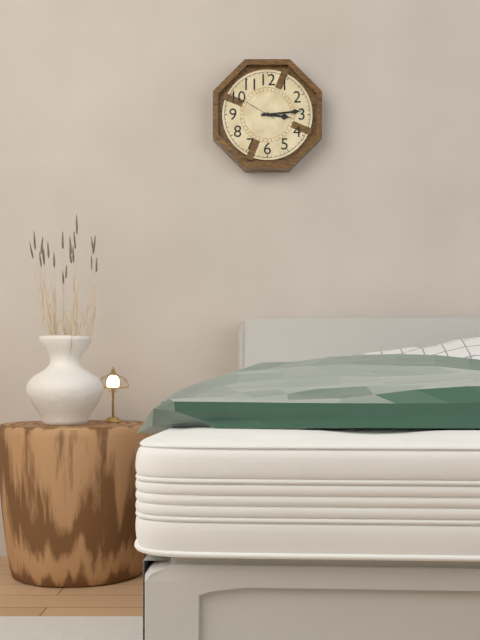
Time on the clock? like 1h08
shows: 3h14
